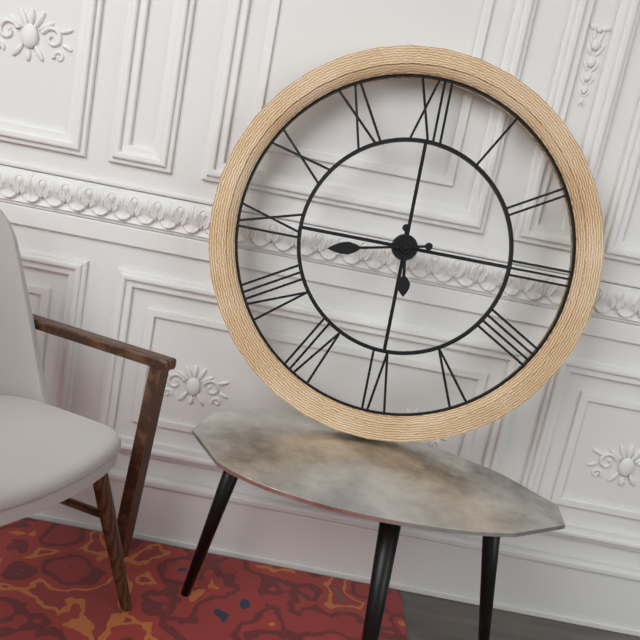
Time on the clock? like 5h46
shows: 5h43
